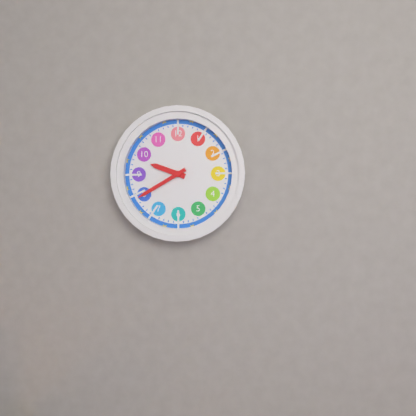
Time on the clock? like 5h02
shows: 9h40
